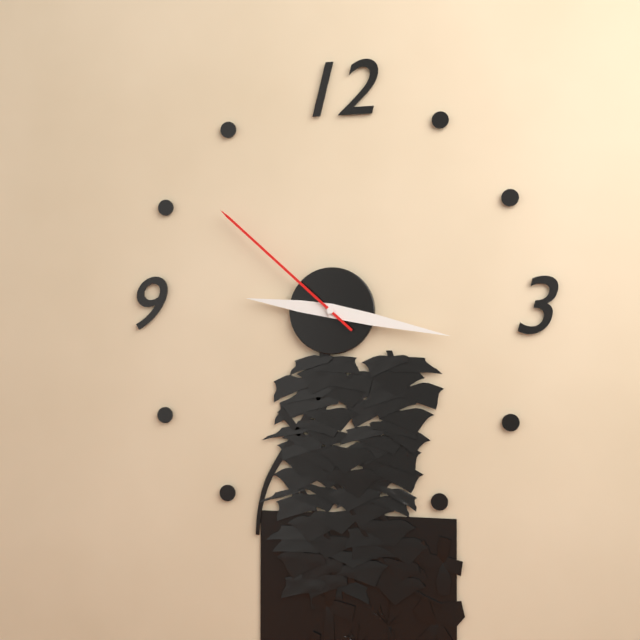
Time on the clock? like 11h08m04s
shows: 9h17m52s
